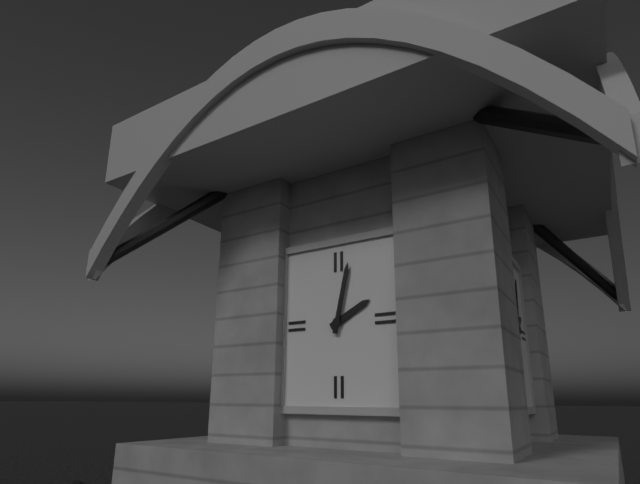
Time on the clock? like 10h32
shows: 2h02
